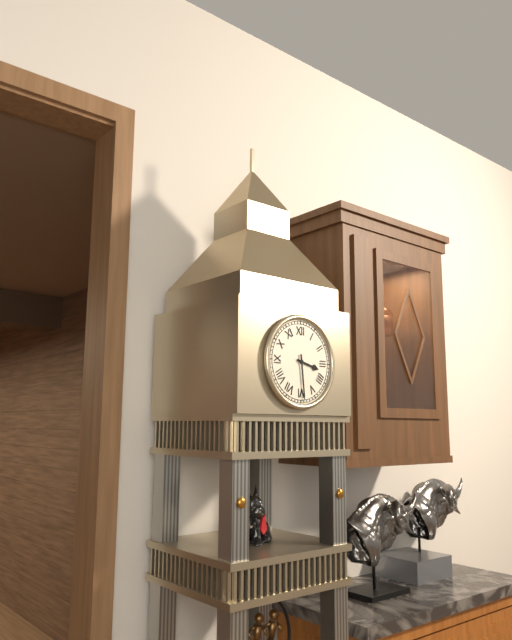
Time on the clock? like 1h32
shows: 3h29
